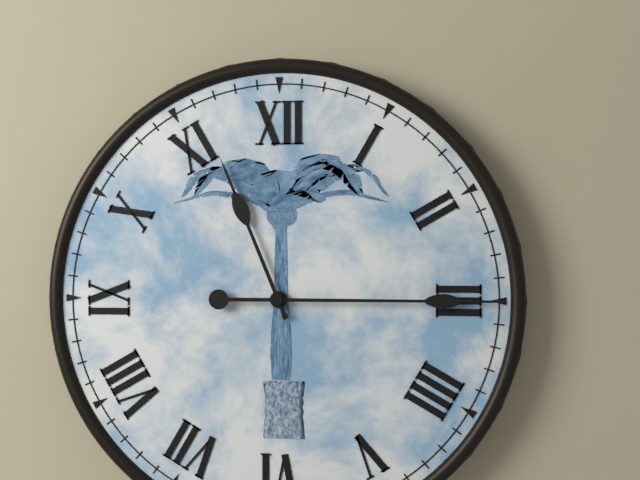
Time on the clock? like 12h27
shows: 11h15
